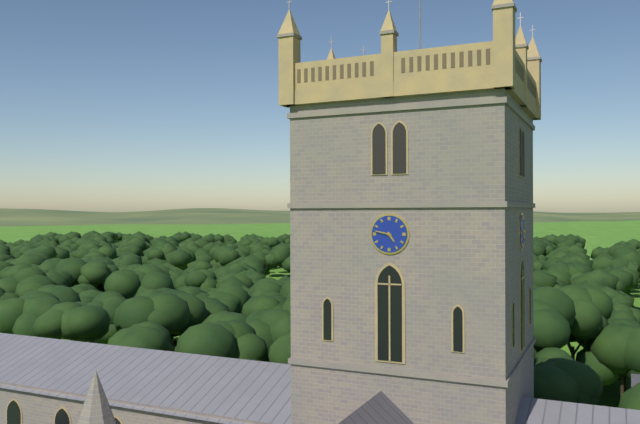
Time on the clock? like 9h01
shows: 4h47
